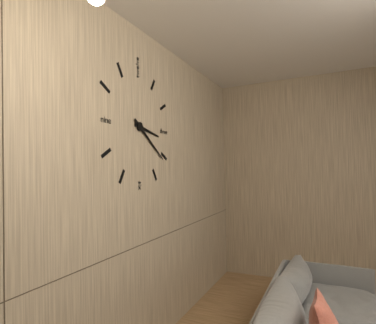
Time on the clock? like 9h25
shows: 3h21
